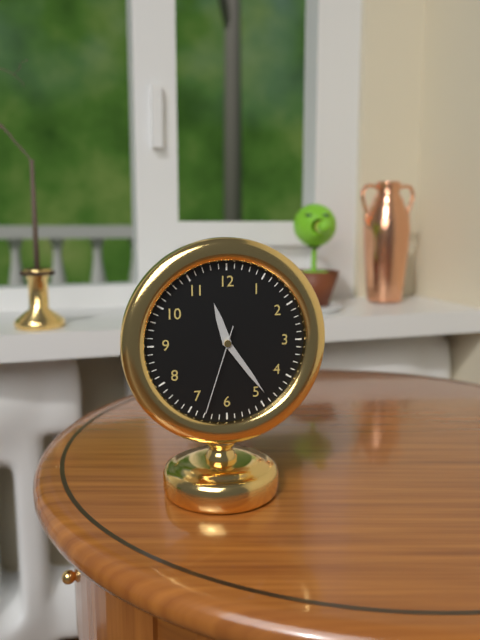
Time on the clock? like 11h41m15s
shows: 11h24m33s
